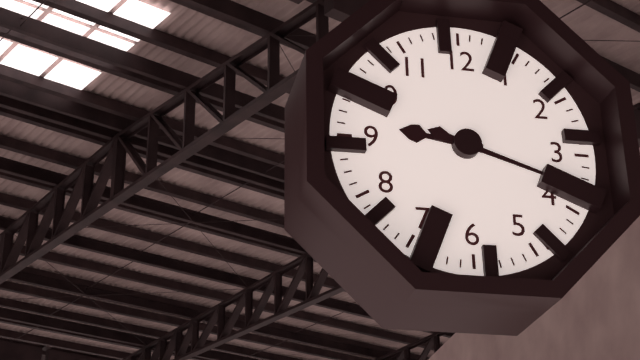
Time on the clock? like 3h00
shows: 9h18
